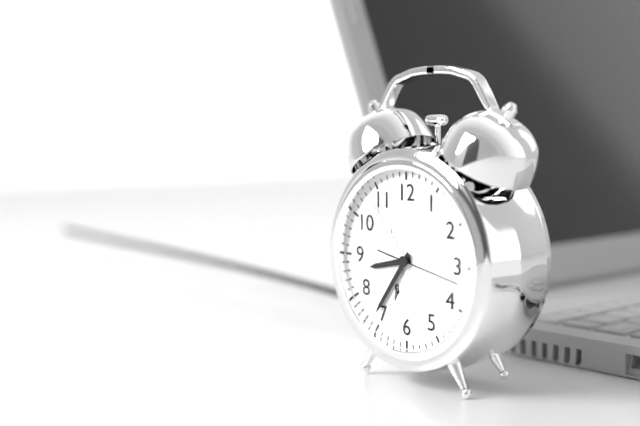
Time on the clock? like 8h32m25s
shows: 8h36m17s
